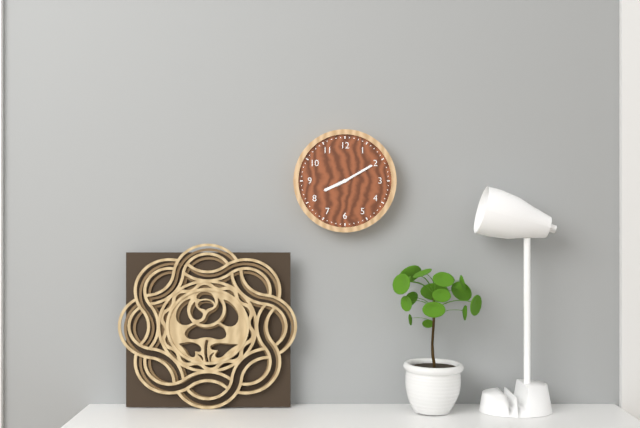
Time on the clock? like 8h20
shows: 8h10
